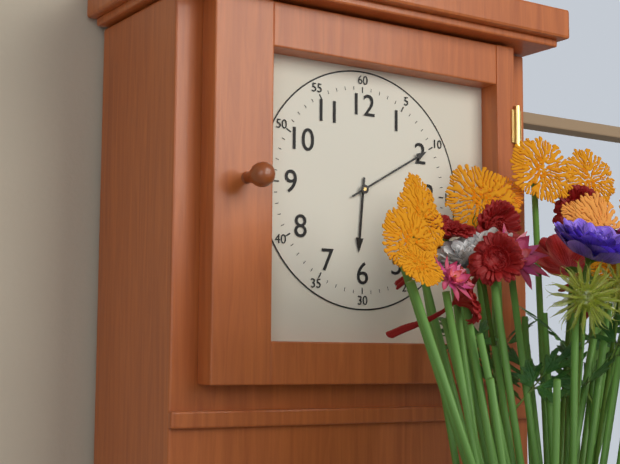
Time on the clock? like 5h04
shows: 6h10
